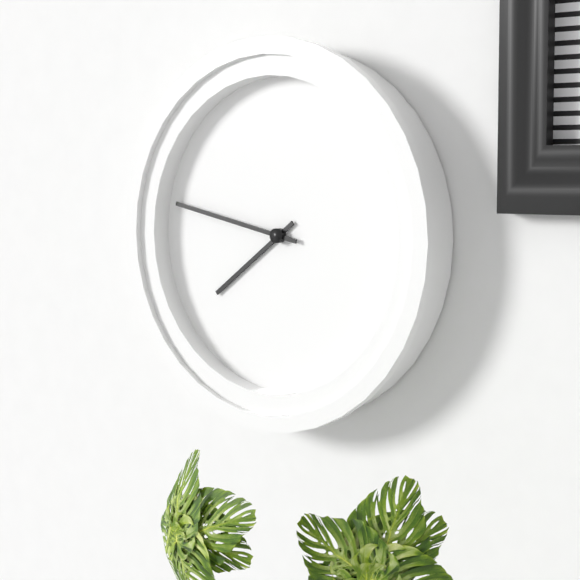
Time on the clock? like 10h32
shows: 7h47
